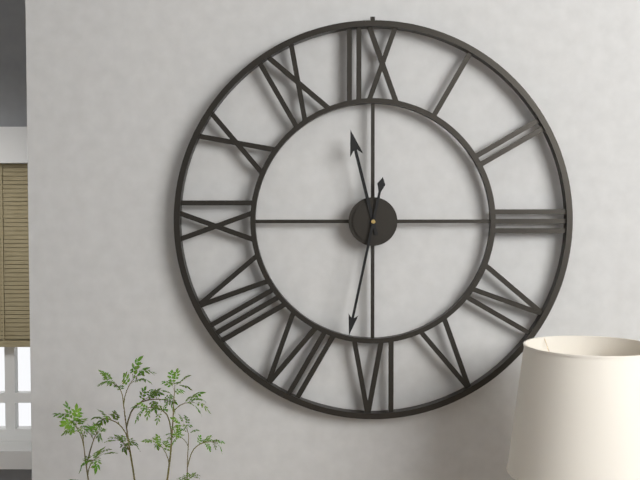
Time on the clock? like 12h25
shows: 11h32
